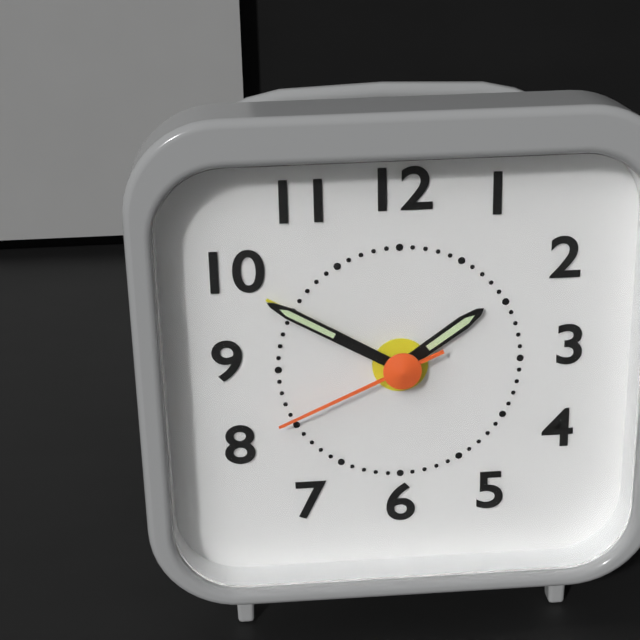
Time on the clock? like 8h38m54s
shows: 1h50m41s
